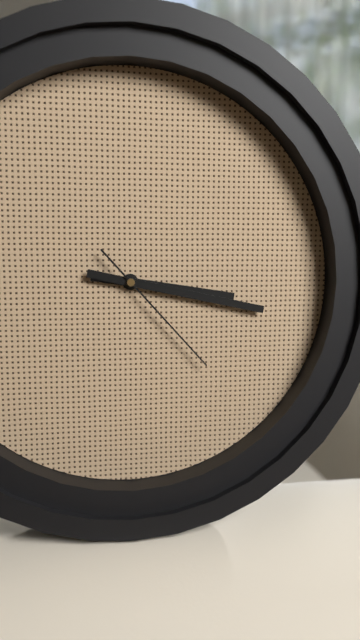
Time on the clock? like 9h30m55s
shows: 3h17m23s
